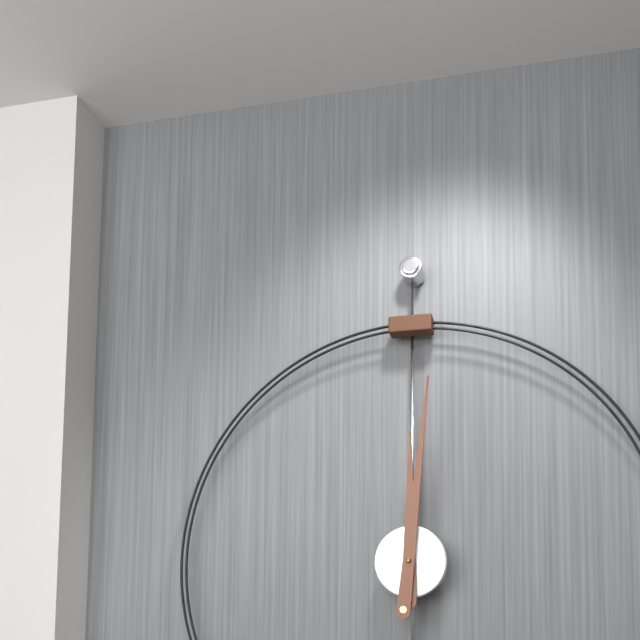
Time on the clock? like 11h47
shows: 12h01
